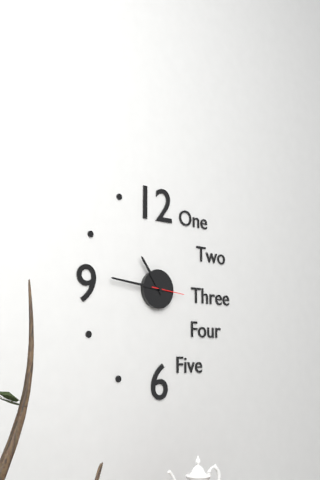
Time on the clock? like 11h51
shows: 10h46
